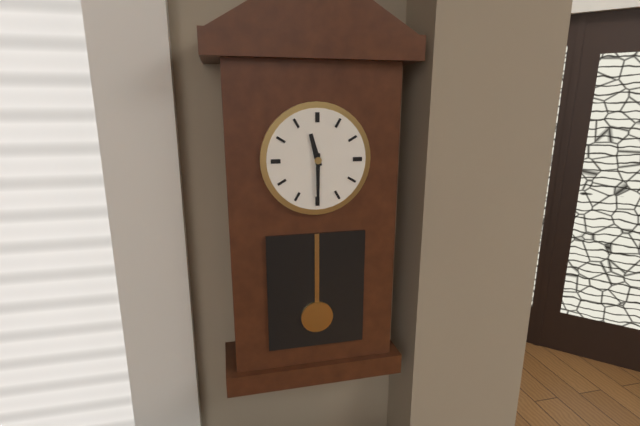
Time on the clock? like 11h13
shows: 11h30
